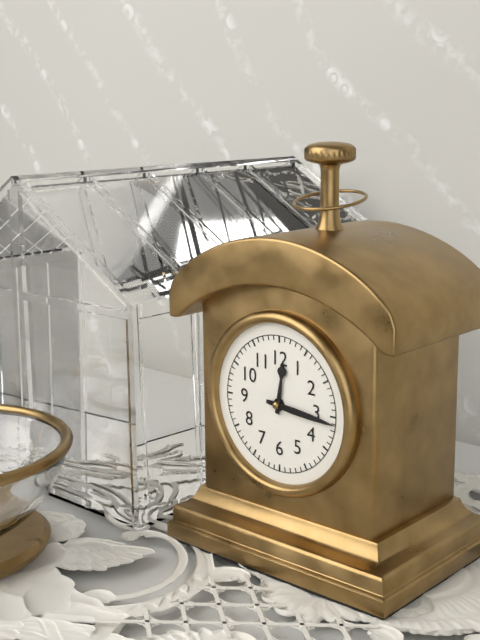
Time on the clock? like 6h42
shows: 12h16
